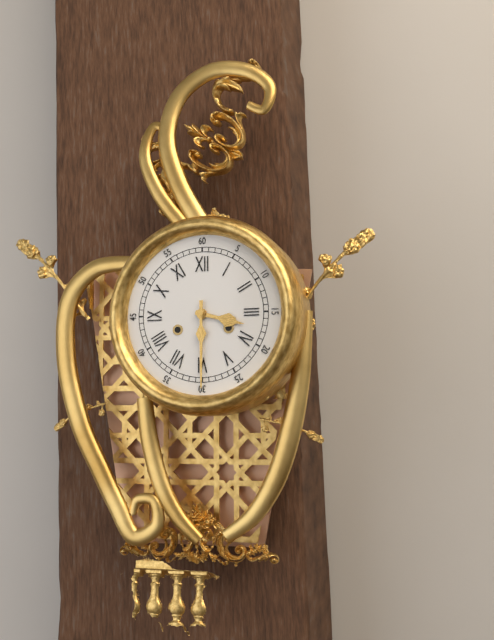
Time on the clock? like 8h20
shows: 3h30
